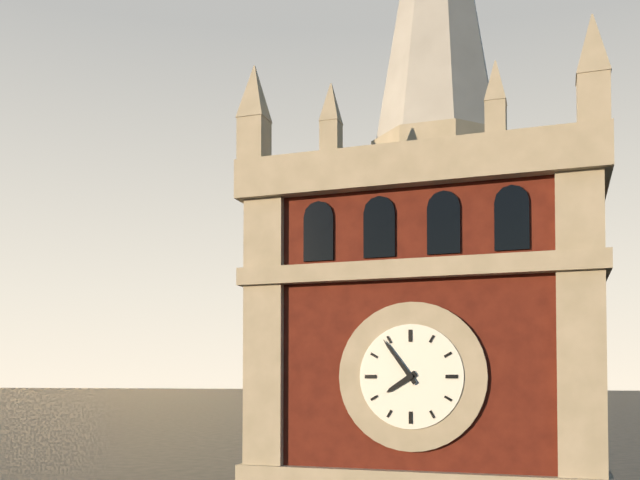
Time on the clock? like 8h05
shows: 7h54
